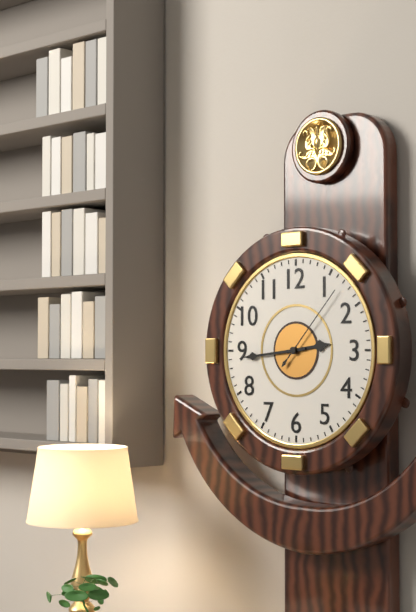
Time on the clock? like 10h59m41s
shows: 2h44m07s
